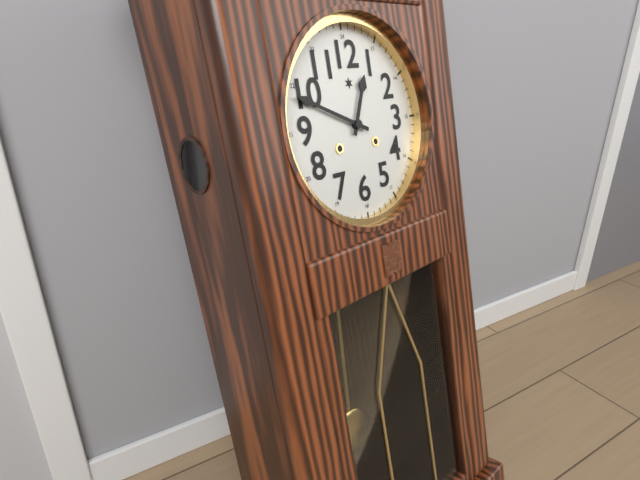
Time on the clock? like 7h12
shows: 12h49
